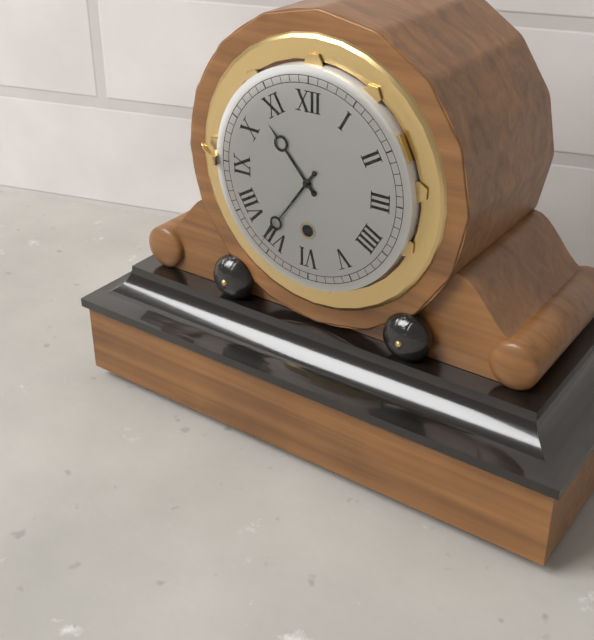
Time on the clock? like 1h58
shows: 10h36
